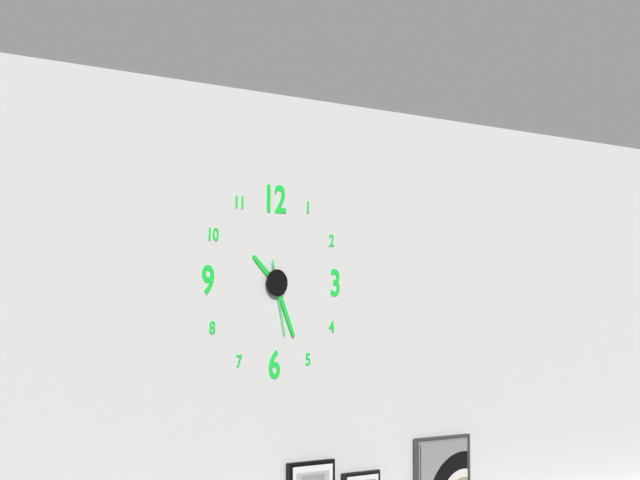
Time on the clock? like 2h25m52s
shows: 10h26m28s
